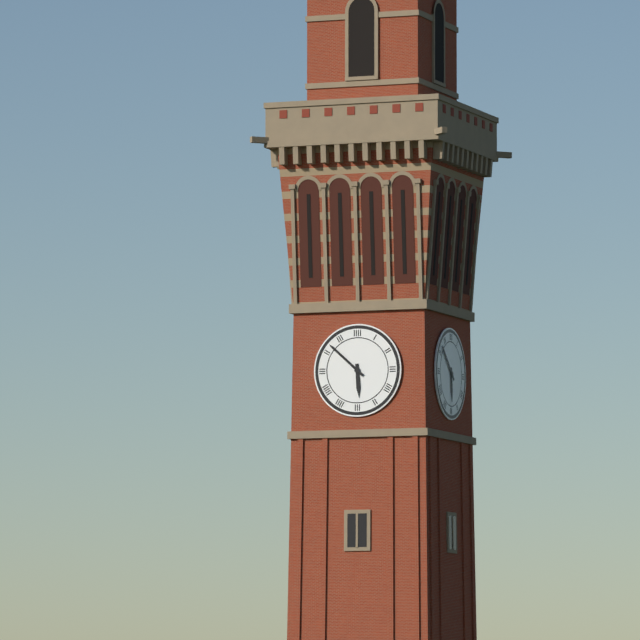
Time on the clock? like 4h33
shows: 5h52
